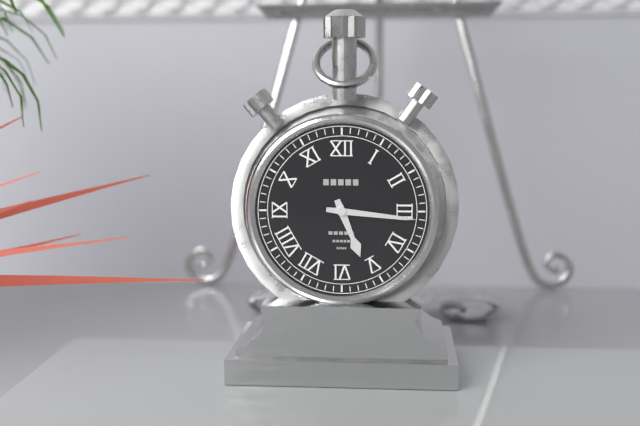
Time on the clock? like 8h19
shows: 5h16
